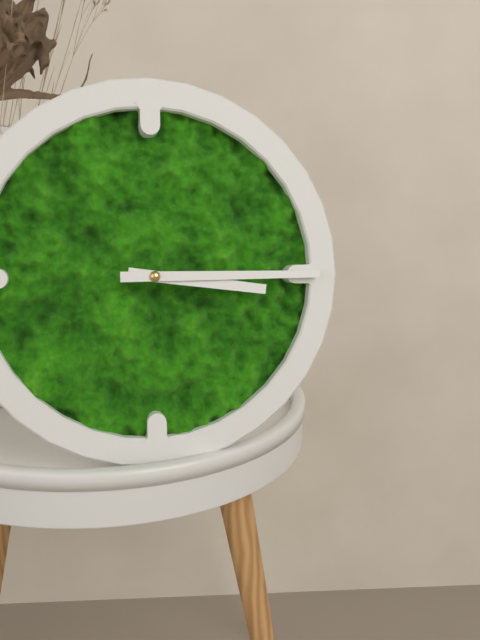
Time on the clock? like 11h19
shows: 3h15
